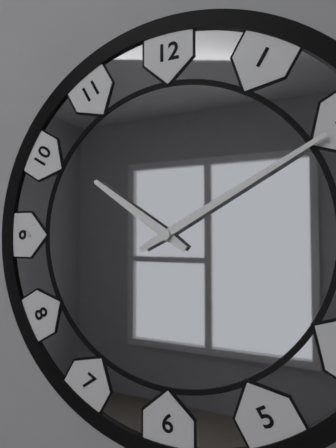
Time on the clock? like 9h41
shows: 10h10
